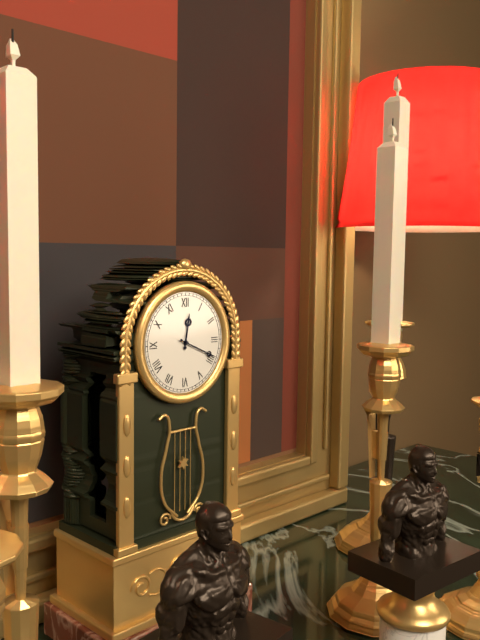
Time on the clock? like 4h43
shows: 12h19
